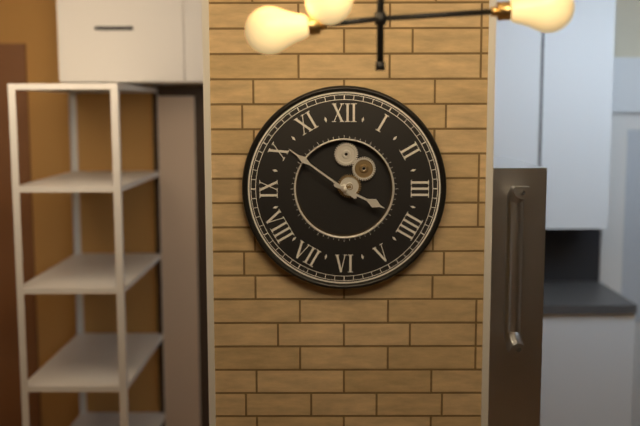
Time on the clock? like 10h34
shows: 3h51
